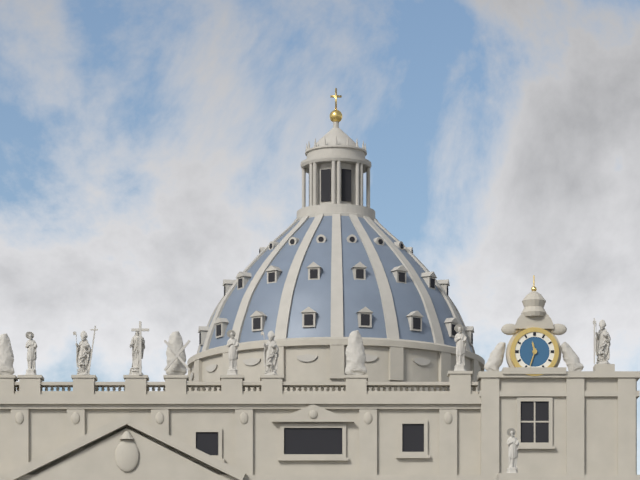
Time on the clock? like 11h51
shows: 11h33
